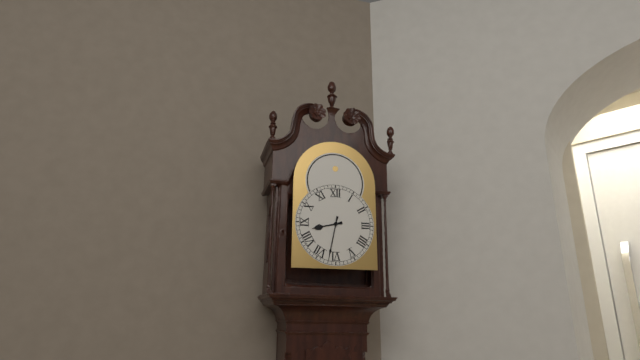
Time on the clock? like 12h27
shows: 8h32
